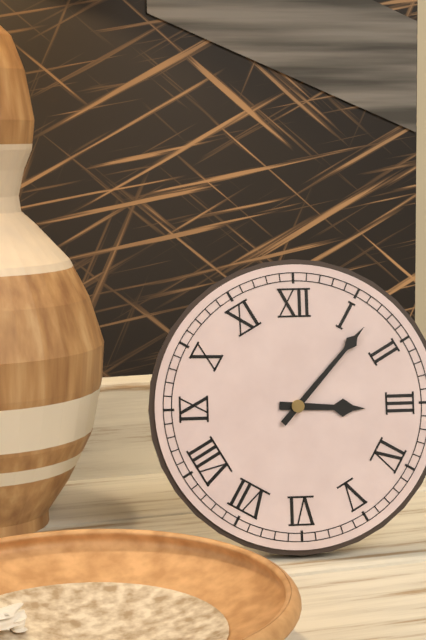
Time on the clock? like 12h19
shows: 3h07
